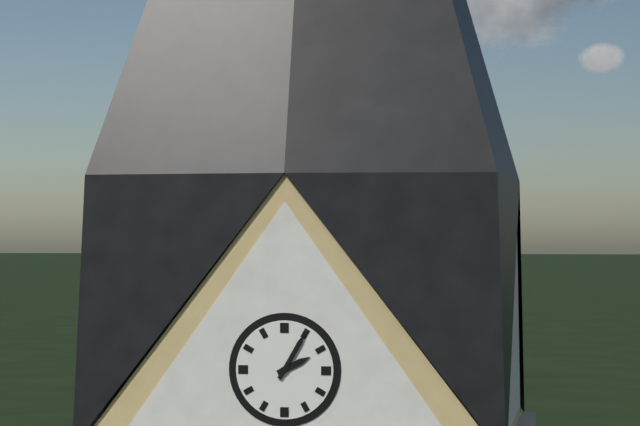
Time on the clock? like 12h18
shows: 2h05
